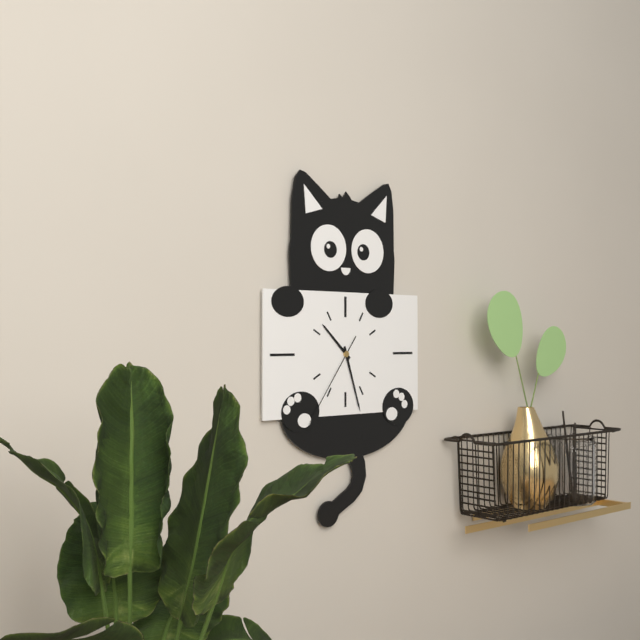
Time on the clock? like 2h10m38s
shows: 10h27m36s
